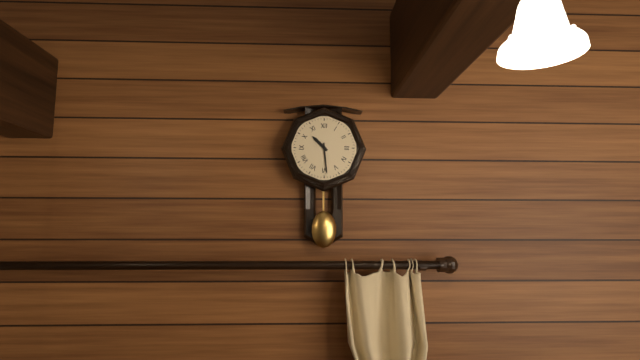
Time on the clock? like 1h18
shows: 10h29
